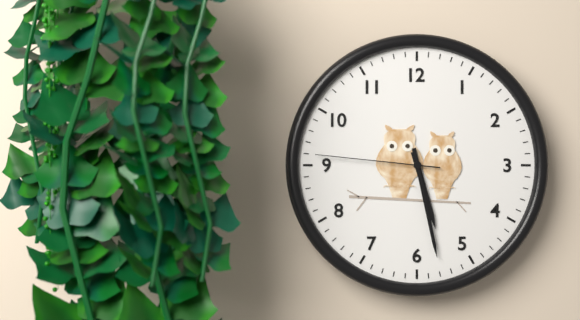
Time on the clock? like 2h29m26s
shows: 5h28m46s
